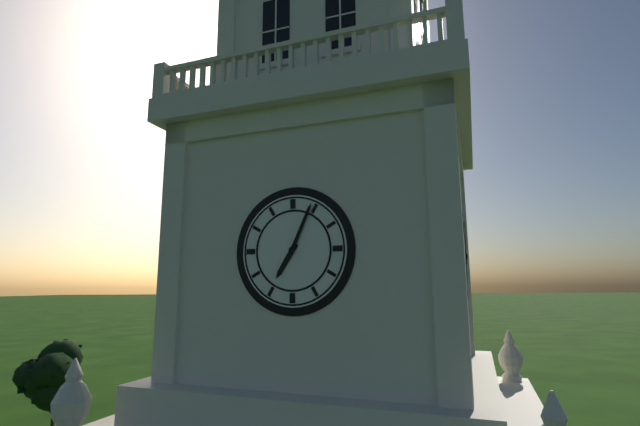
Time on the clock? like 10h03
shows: 7h04
